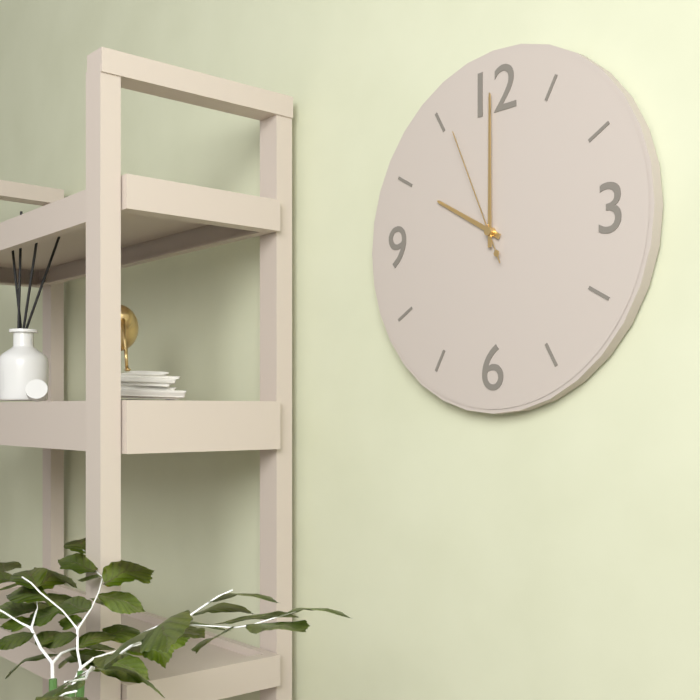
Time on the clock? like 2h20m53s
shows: 10h00m56s
